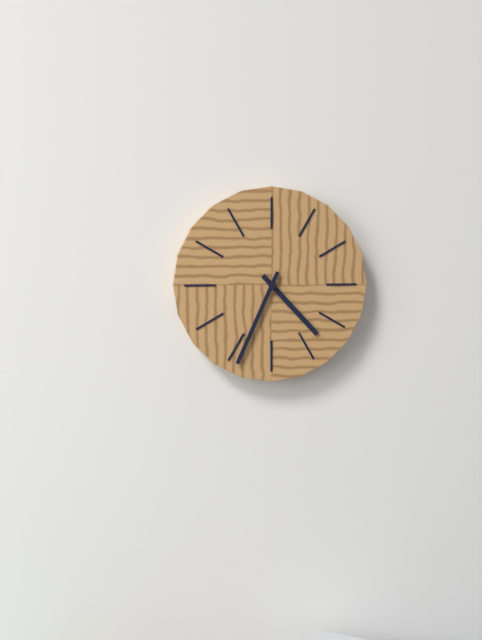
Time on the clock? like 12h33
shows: 4h34
